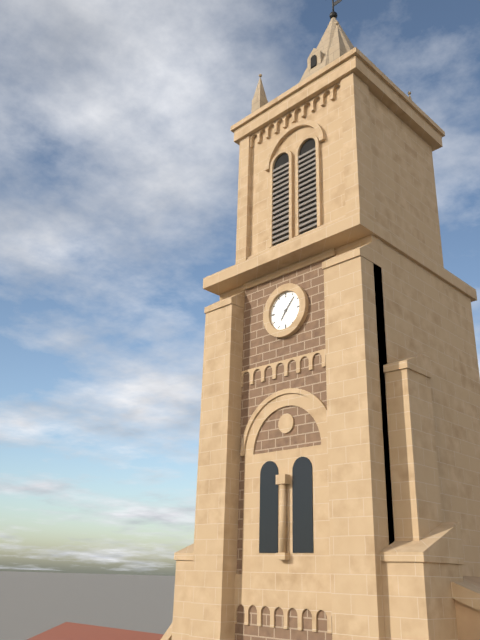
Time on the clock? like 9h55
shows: 7h07
